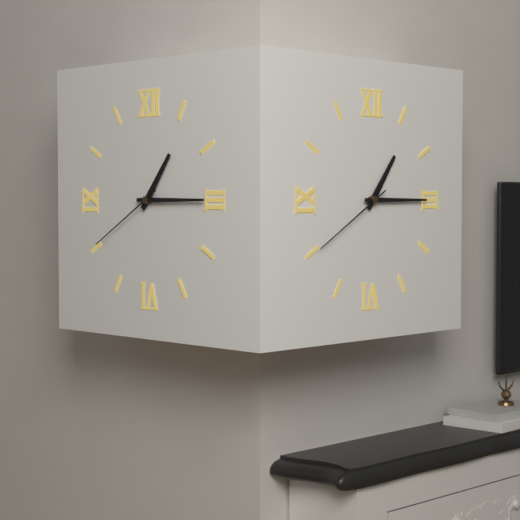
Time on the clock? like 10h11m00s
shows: 1h15m40s
